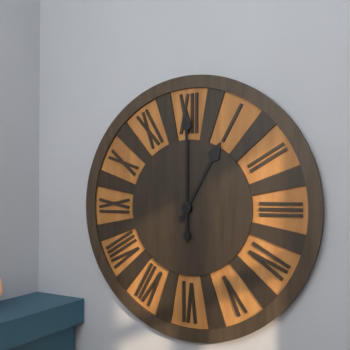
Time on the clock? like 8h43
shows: 1h00
